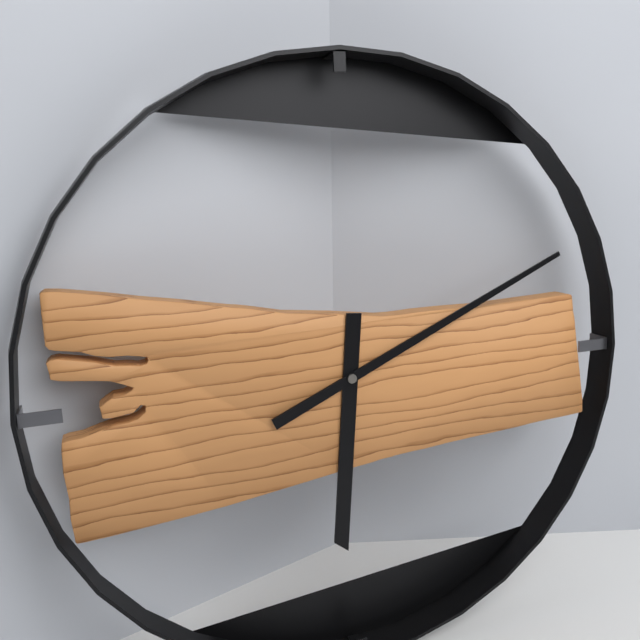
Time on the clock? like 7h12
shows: 6h11
